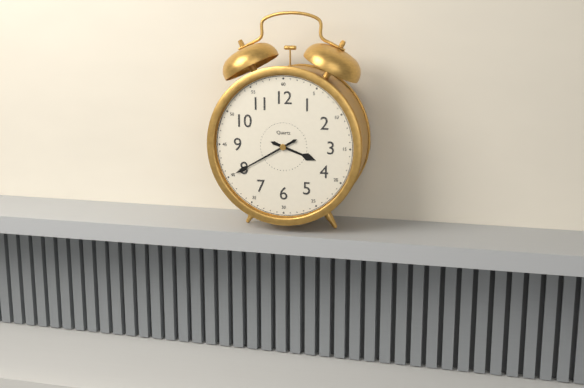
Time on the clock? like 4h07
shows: 3h40
